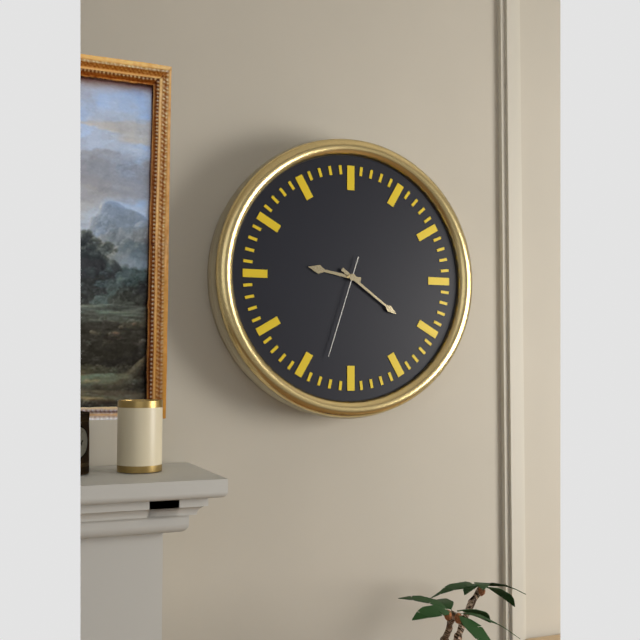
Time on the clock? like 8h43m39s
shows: 9h21m33s
